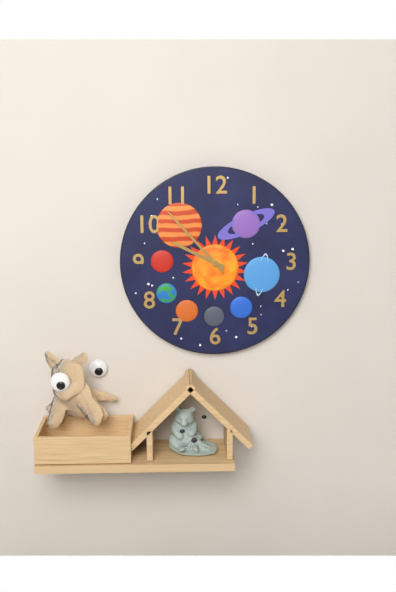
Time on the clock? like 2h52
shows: 9h53
